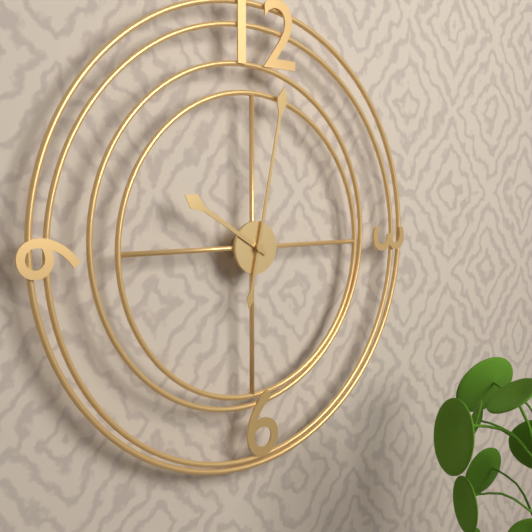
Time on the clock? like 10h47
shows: 10h02
